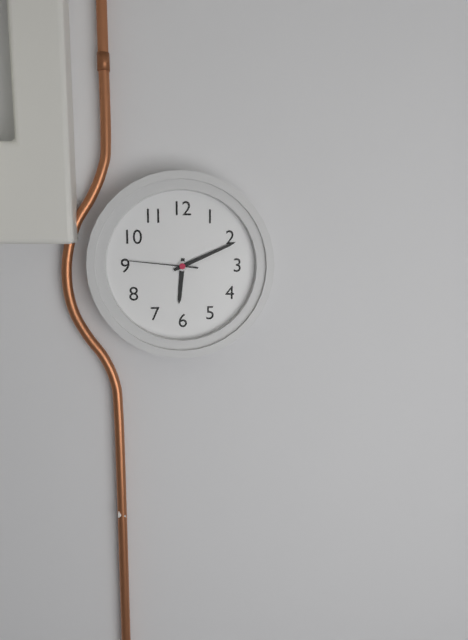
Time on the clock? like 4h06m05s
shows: 6h11m46s
